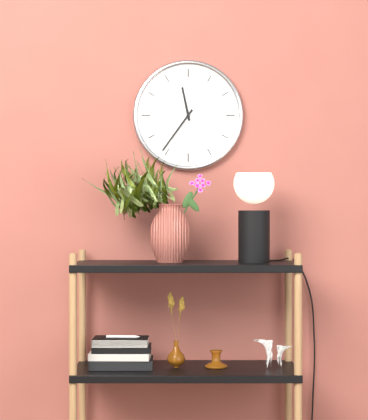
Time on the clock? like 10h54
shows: 11h36
